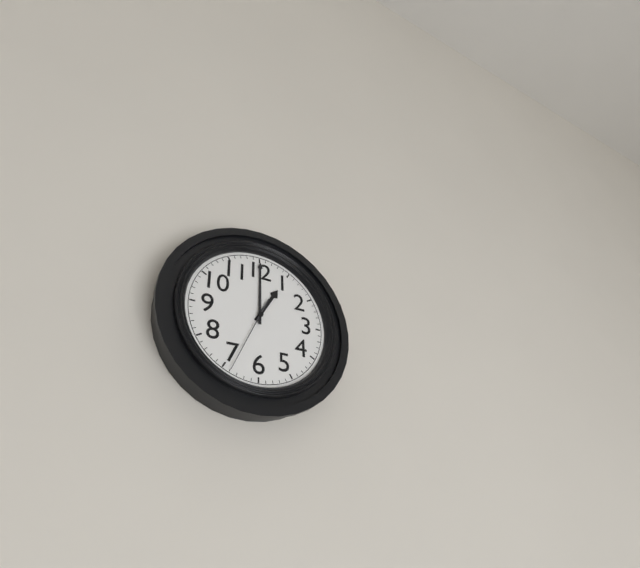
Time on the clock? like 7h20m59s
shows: 1h00m34s
